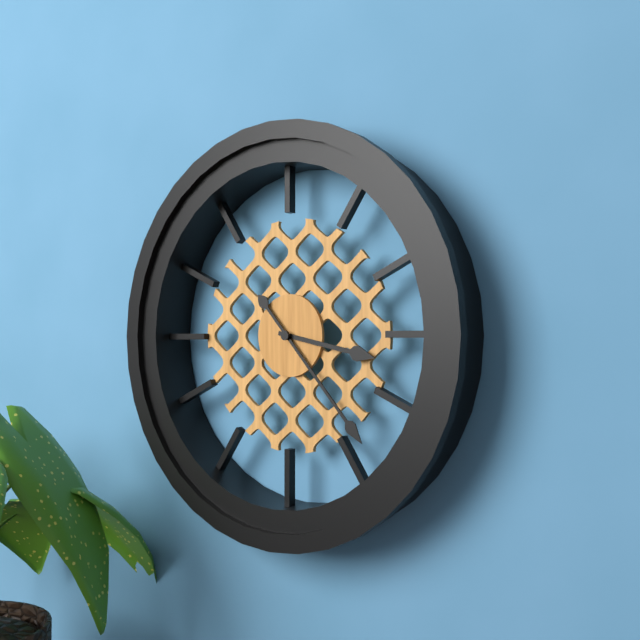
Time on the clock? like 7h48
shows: 3h23
